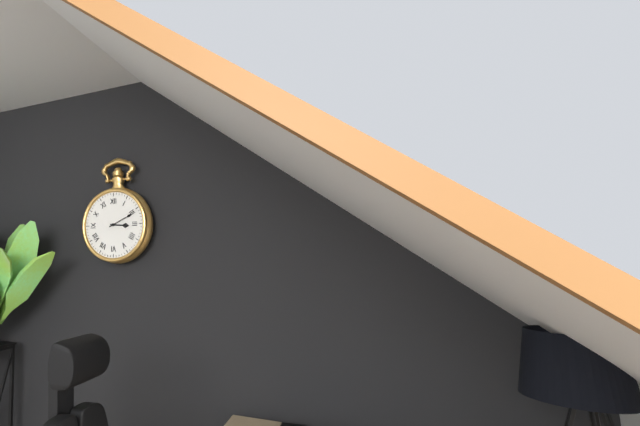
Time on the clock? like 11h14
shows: 3h11
